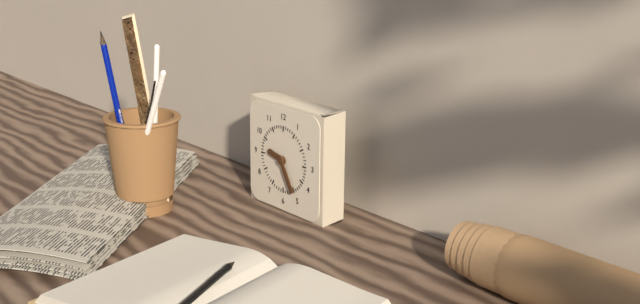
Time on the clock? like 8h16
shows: 9h25
